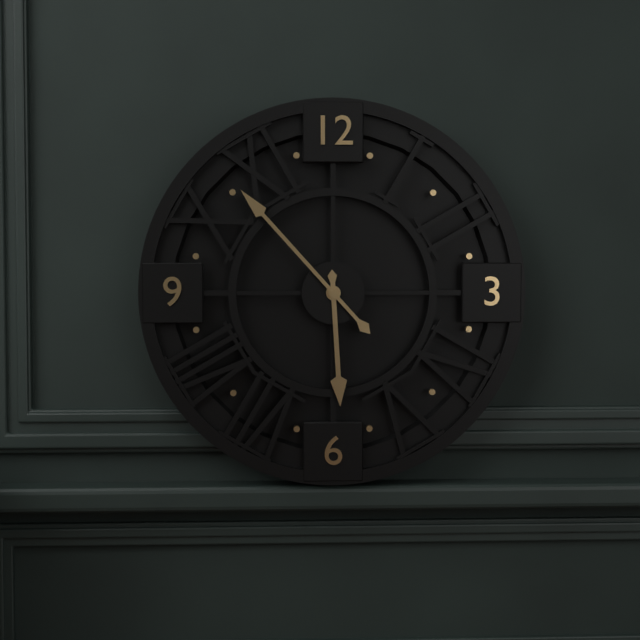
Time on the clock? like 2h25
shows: 5h53
